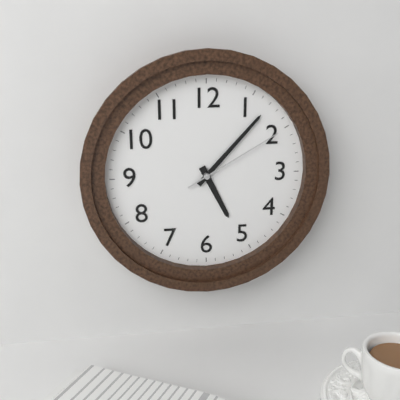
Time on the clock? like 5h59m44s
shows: 5h07m10s
